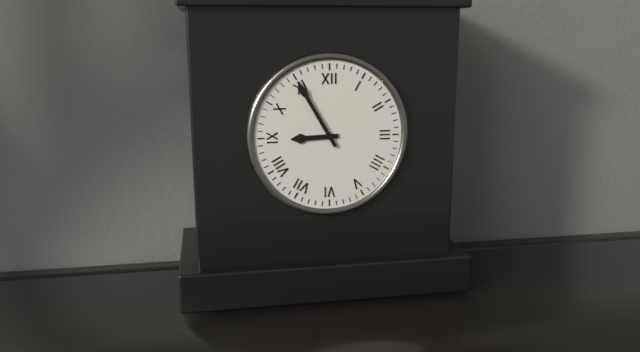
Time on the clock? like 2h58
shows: 8h55
